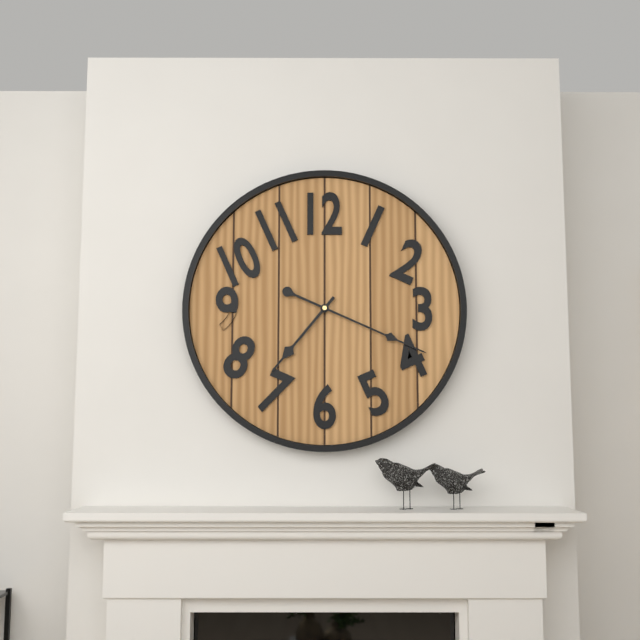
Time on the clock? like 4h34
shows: 7h19
